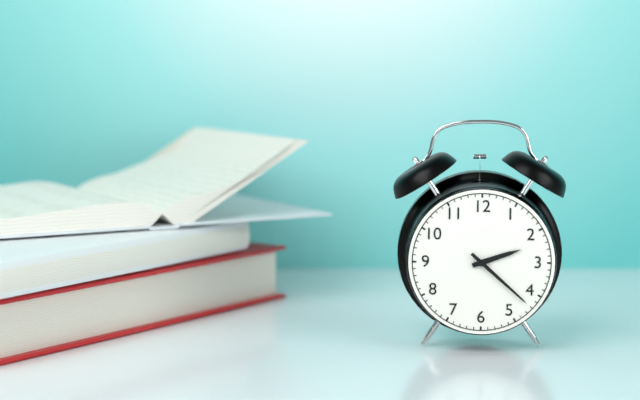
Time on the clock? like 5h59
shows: 2h22
